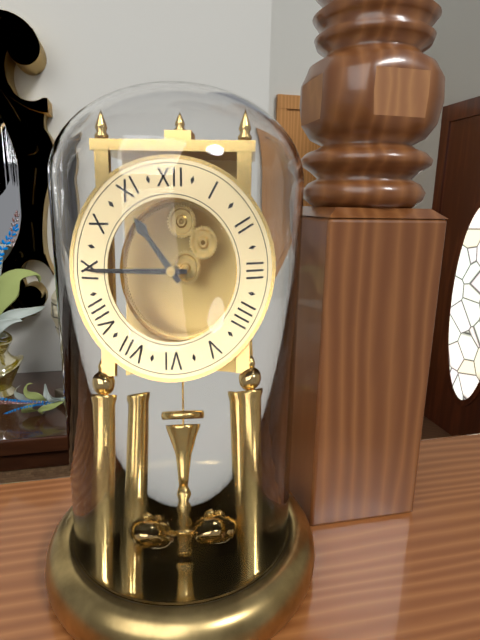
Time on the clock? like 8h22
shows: 10h45
